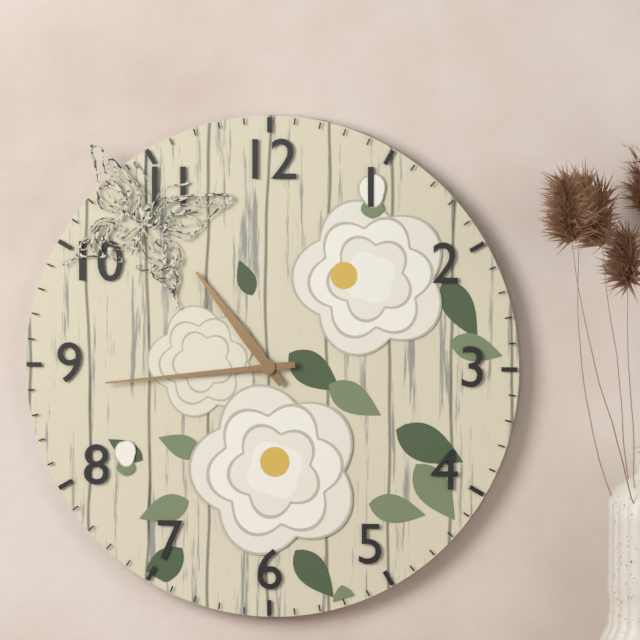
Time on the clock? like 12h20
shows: 10h44
